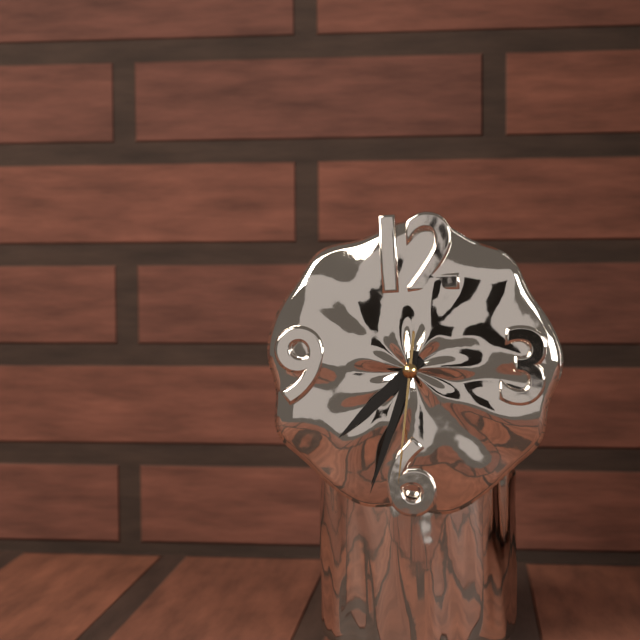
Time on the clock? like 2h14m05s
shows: 7h33m31s
